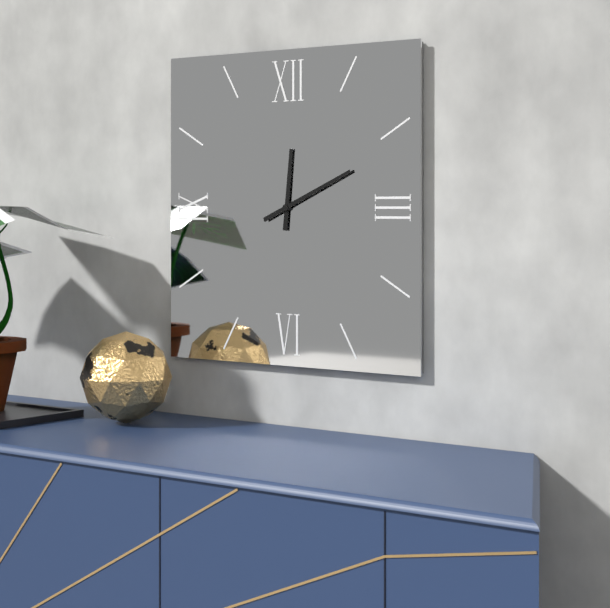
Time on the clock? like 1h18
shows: 12h11
